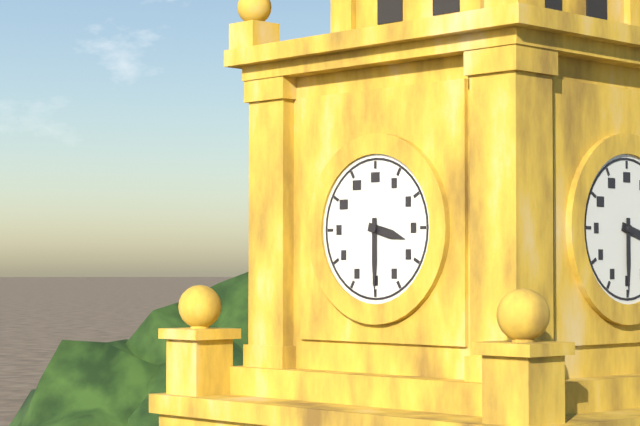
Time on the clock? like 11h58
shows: 3h30
